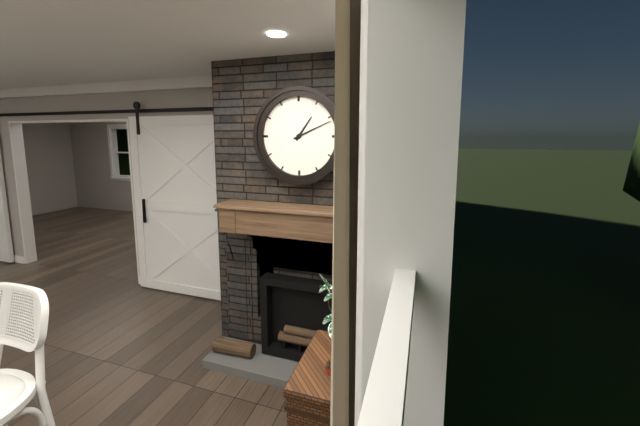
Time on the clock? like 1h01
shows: 1h11
